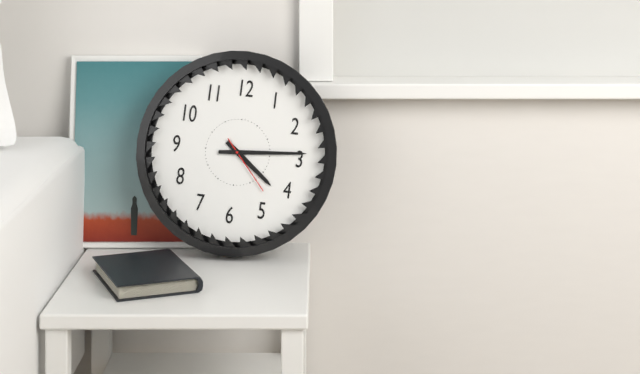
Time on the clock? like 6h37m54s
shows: 4h14m23s
